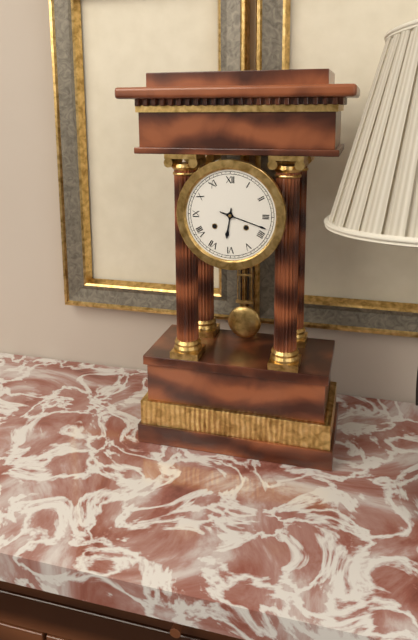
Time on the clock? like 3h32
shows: 6h18
